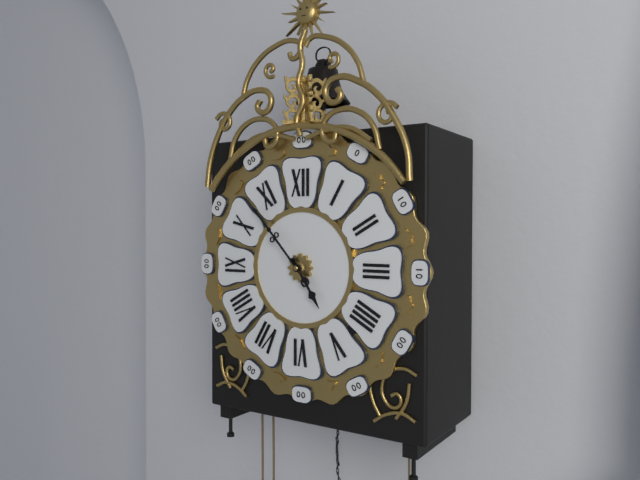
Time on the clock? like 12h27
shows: 4h53
